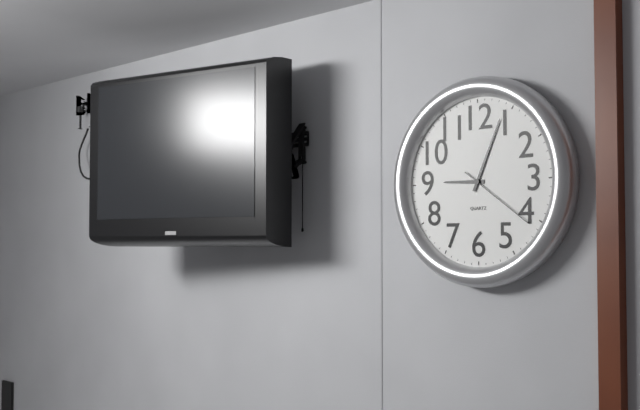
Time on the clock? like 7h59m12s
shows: 9h04m21s
